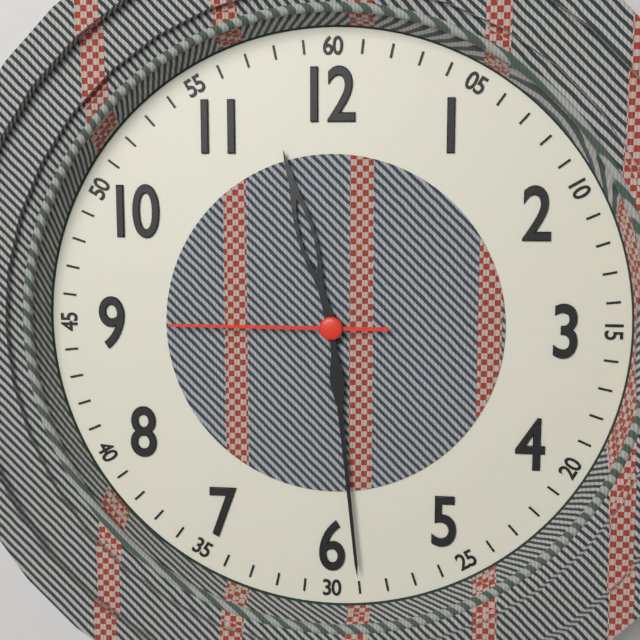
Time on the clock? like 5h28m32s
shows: 11h29m45s
